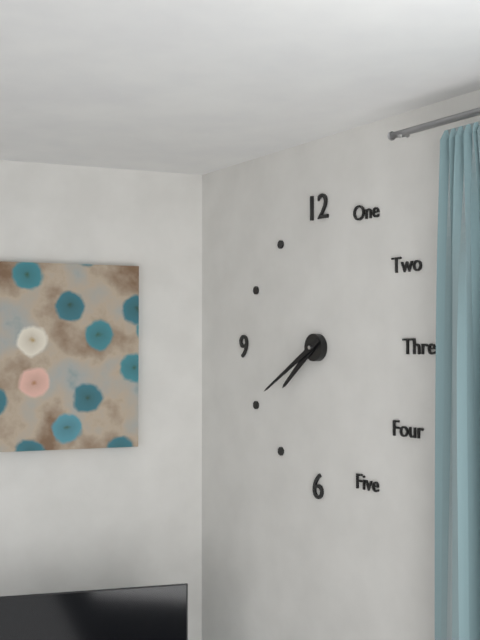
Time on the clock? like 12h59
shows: 7h40
